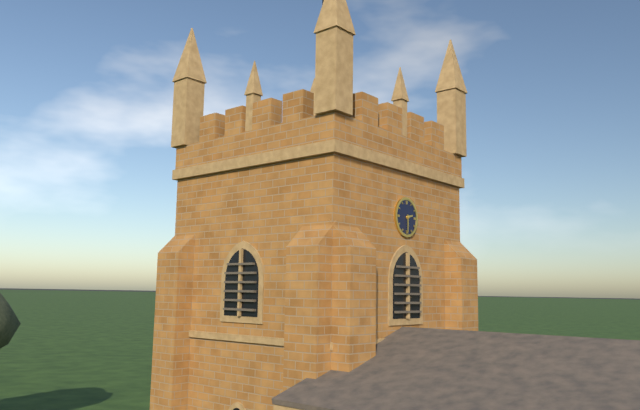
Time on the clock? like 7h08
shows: 2h30
